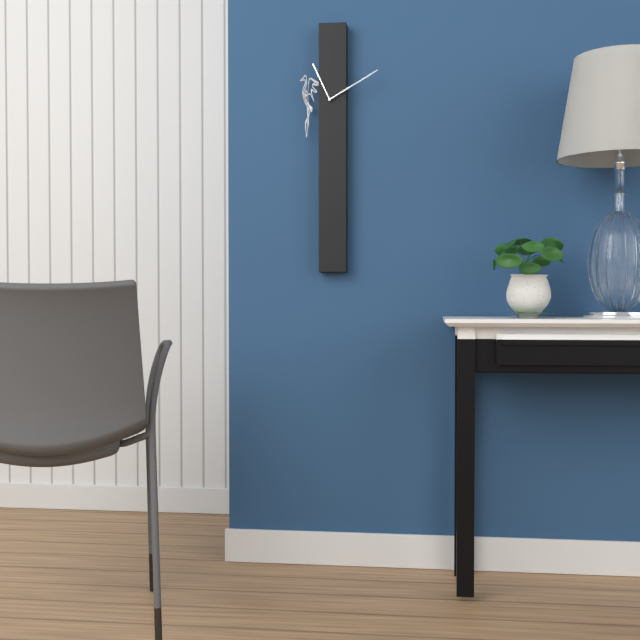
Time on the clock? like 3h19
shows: 11h10
